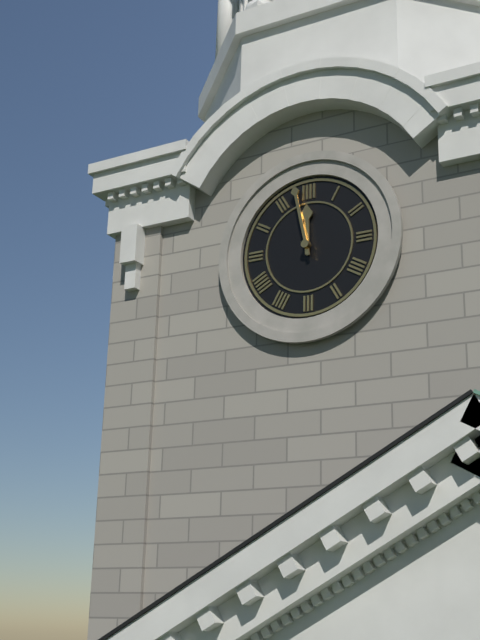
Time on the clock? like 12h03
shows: 11h58
